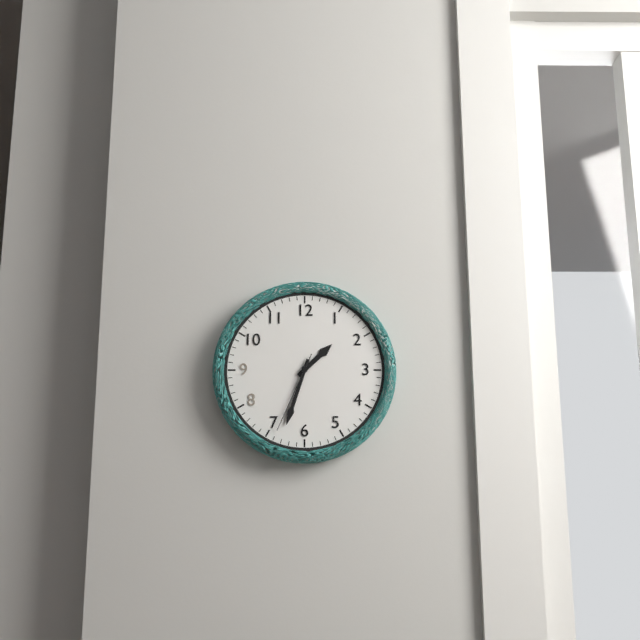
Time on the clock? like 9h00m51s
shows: 1h33m34s
